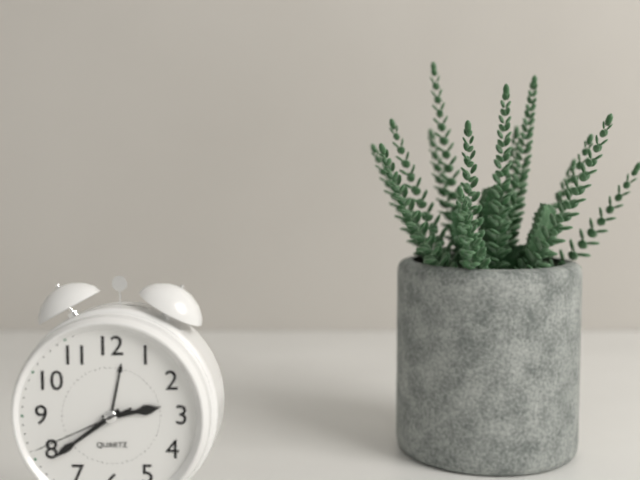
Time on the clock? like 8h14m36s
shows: 2h39m41s
